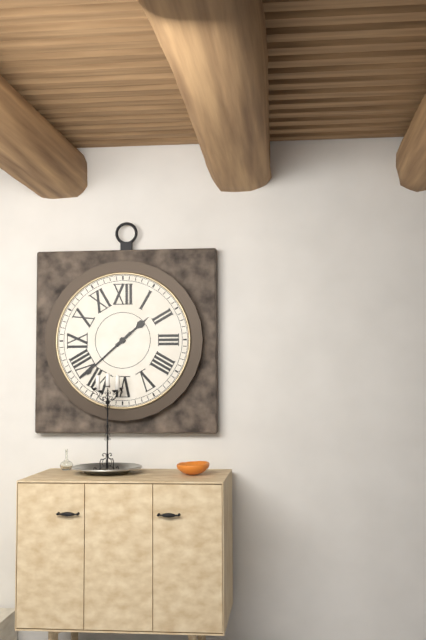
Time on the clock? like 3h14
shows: 1h38
